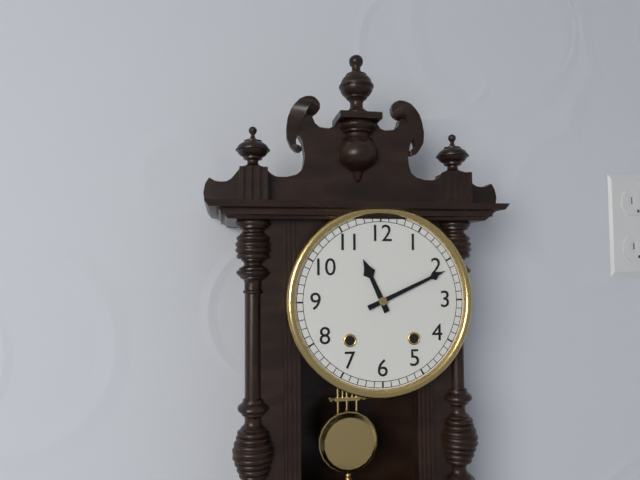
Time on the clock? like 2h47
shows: 11h11
